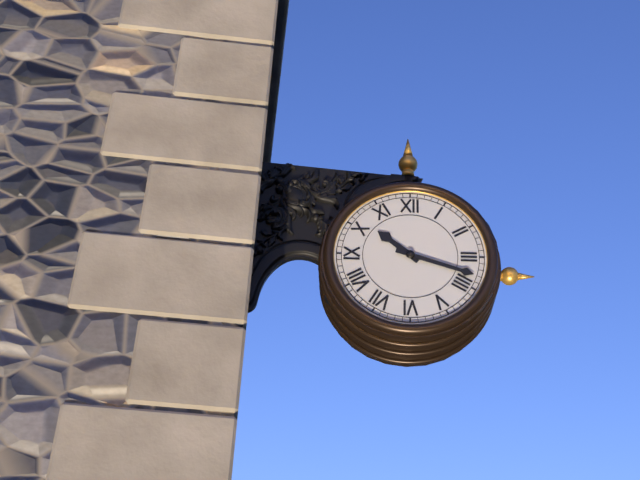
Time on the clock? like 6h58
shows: 10h18
